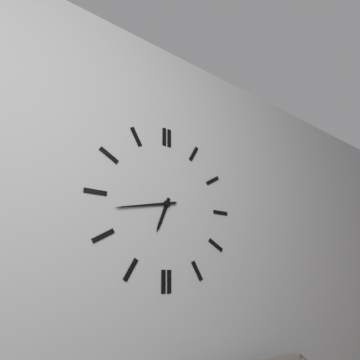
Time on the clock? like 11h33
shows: 6h43
